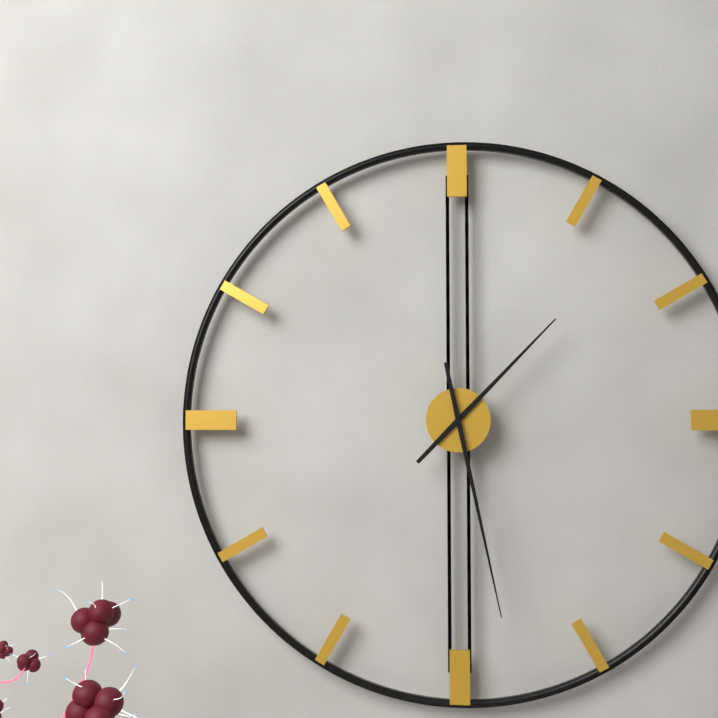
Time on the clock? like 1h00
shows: 1h28
